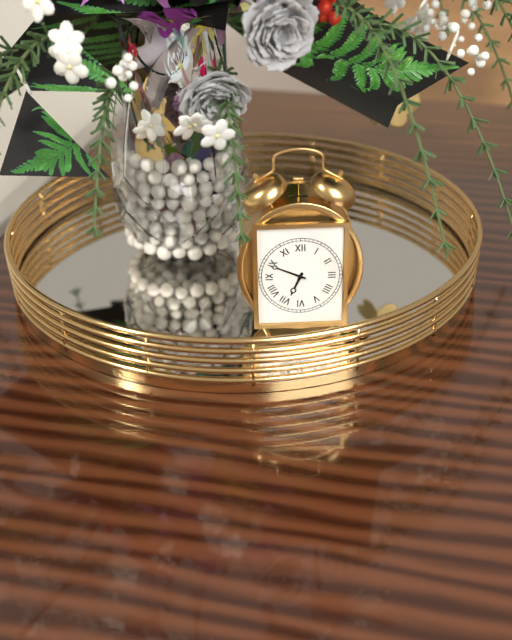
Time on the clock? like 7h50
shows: 6h49
